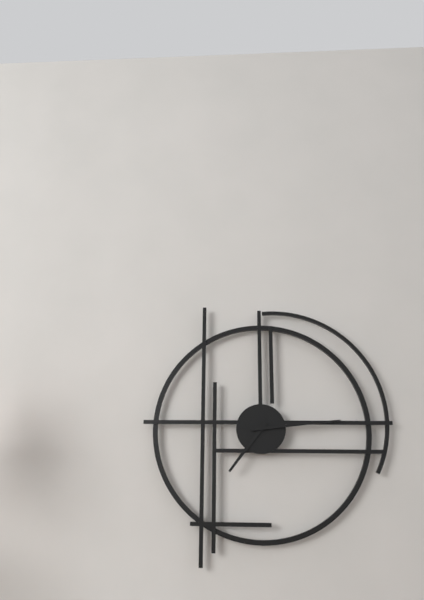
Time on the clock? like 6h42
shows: 7h14
